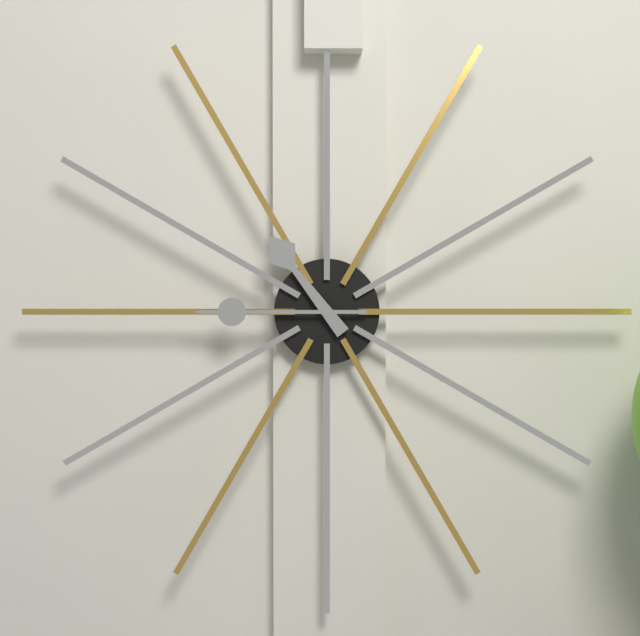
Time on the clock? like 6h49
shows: 10h45
